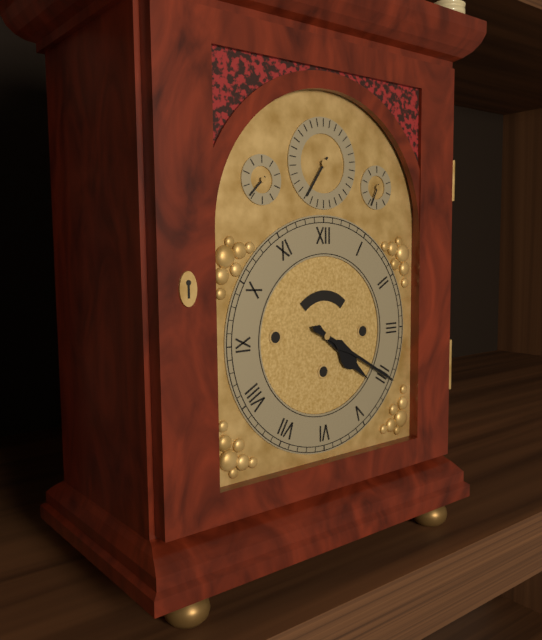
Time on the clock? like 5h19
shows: 4h20
